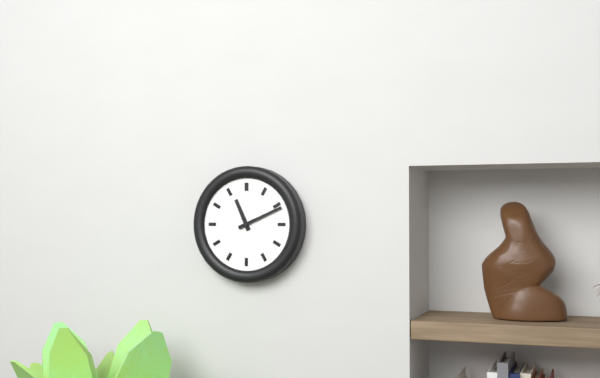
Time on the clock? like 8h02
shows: 11h11
